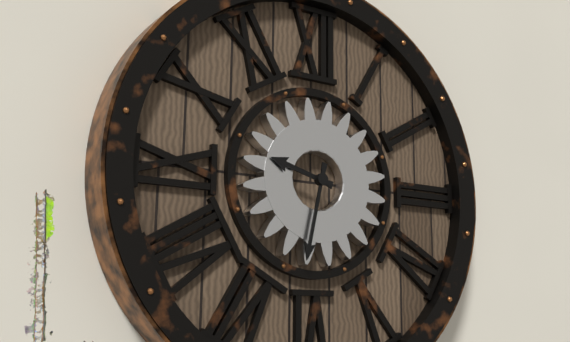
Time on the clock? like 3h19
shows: 9h32
